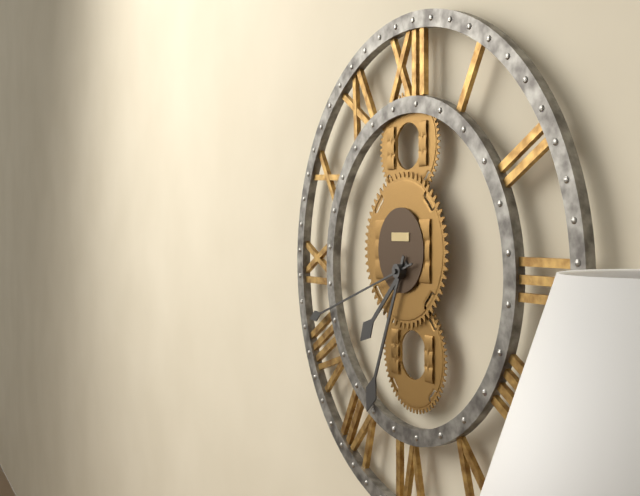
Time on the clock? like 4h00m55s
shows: 7h34m42s
